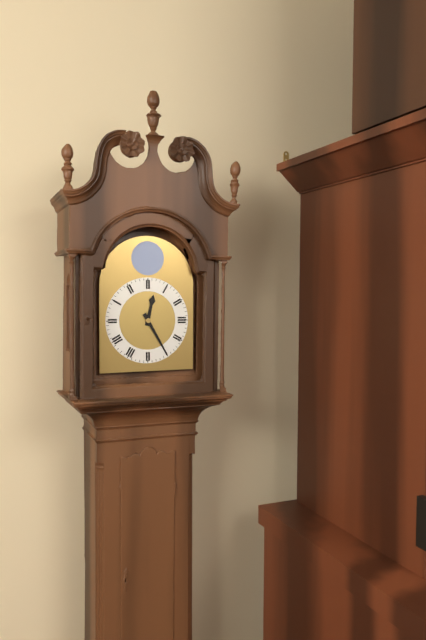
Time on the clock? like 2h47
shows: 12h25
